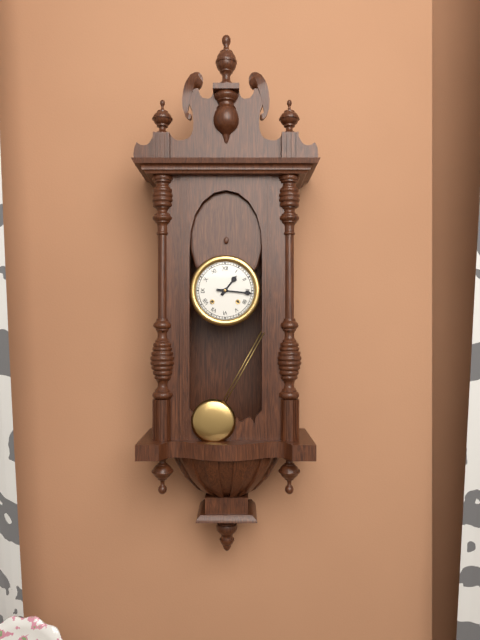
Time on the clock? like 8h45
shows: 1h16
